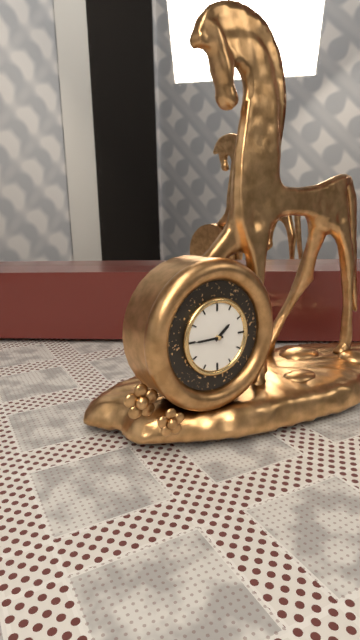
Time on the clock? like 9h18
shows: 1h45
